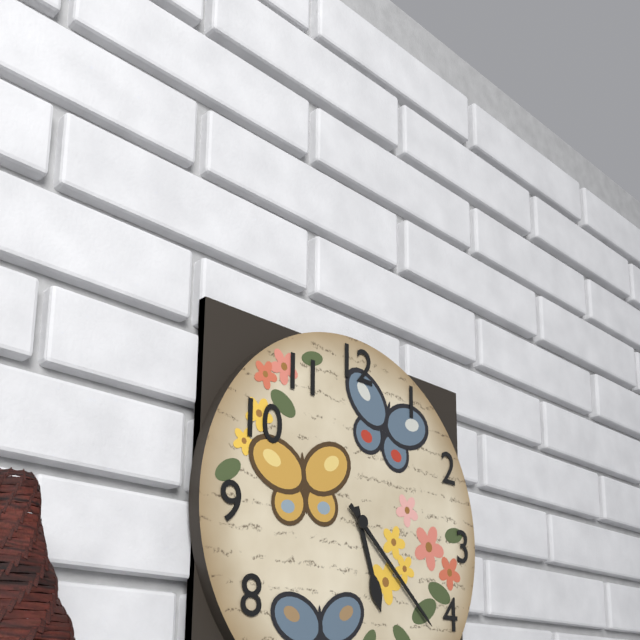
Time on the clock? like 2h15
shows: 5h22
